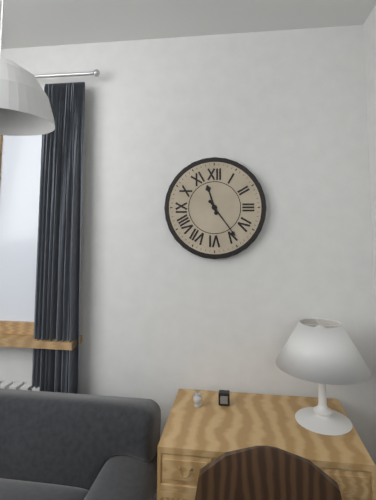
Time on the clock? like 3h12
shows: 11h24
